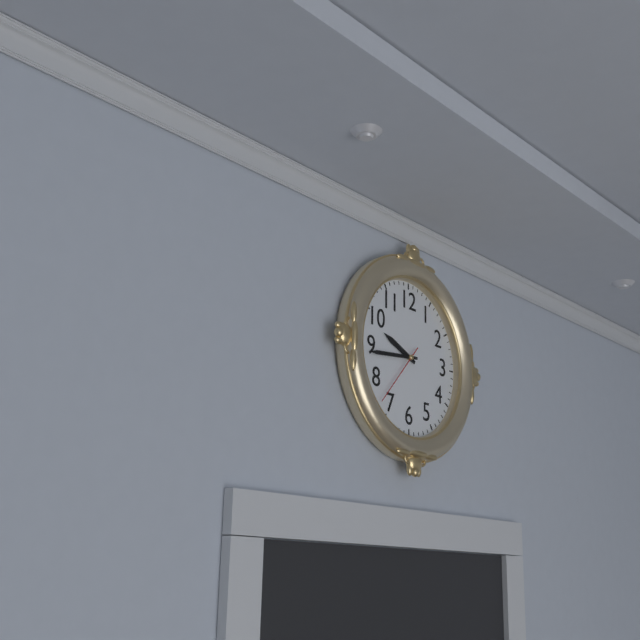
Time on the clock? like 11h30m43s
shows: 9h44m37s
